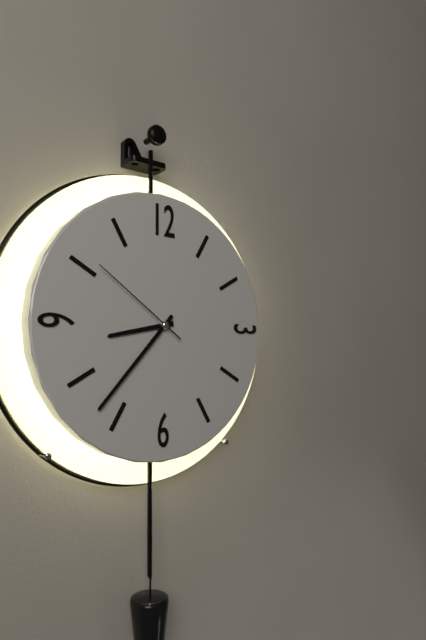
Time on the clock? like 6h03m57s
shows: 8h37m51s
